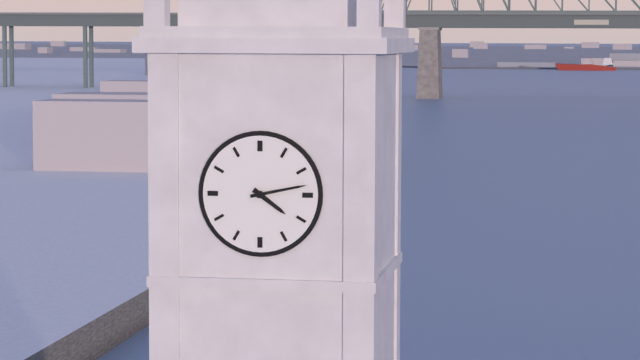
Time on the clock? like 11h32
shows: 4h13
